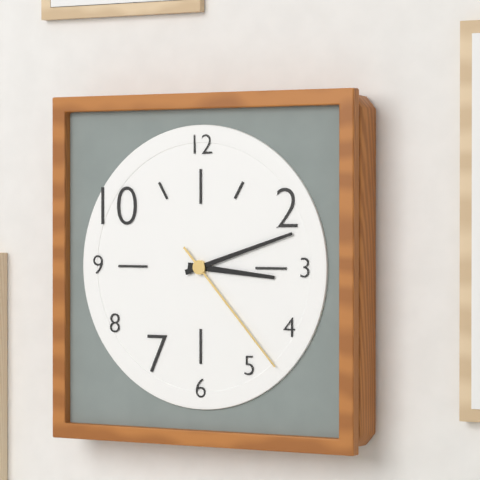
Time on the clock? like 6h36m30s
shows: 3h12m23s
